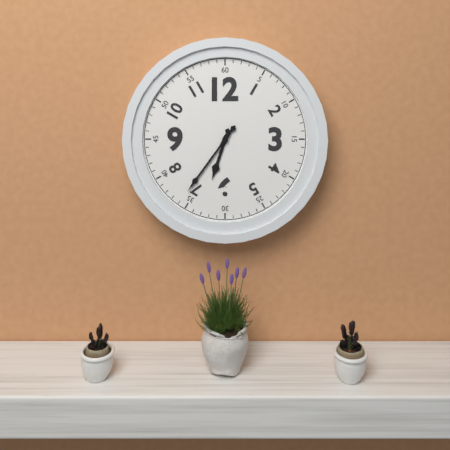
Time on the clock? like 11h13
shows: 6h36
